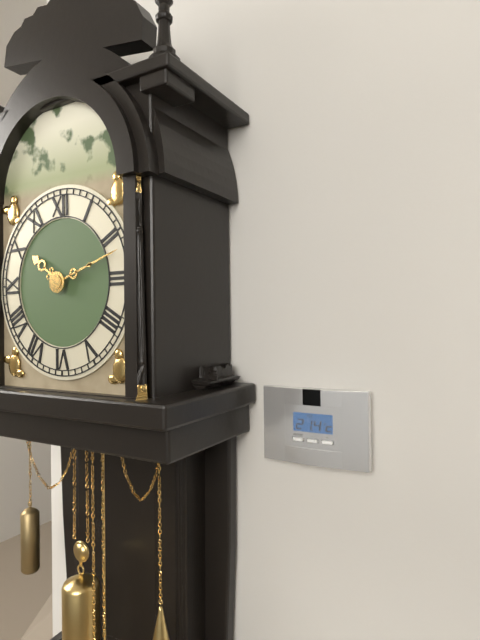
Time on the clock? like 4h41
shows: 10h12
